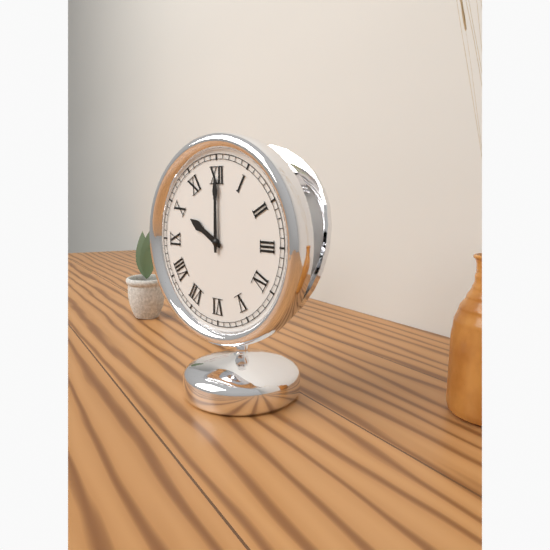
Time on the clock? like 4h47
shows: 10h00
